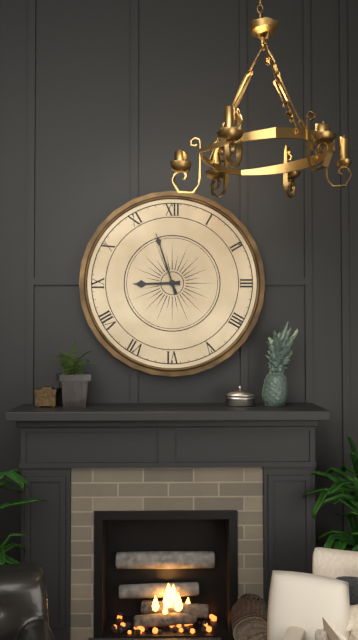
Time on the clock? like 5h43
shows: 8h57
